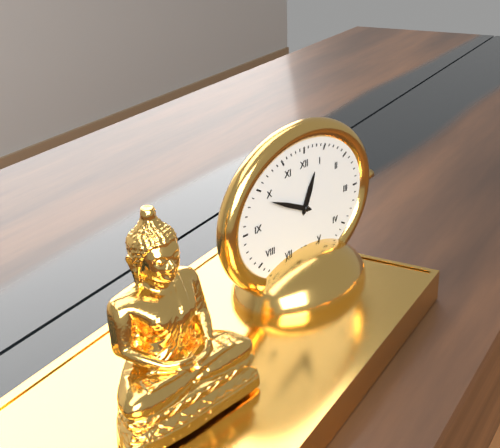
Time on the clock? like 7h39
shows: 12h49
